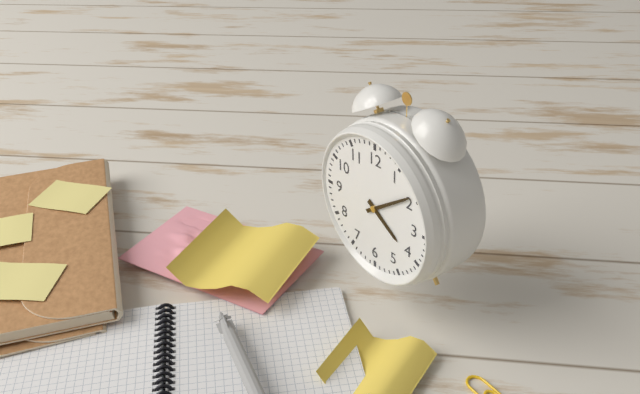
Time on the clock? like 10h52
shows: 4h09
